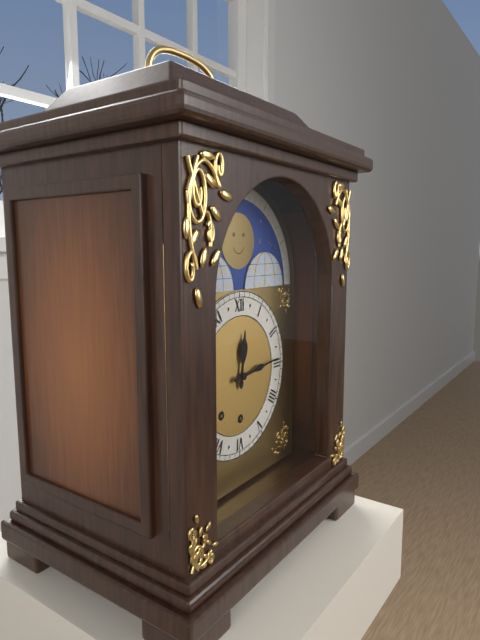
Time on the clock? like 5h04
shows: 12h14
